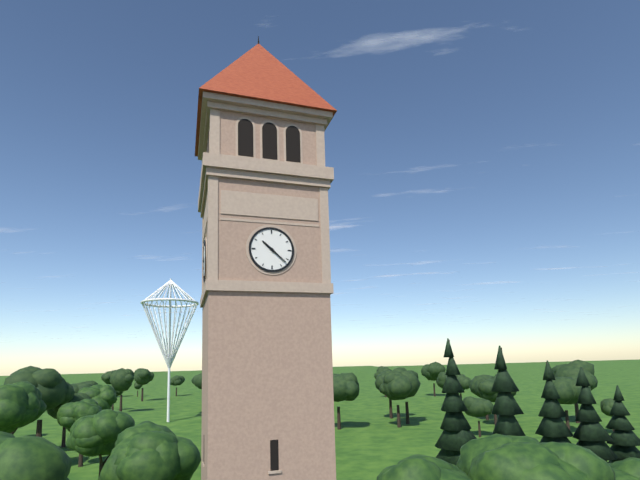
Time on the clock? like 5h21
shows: 10h22
